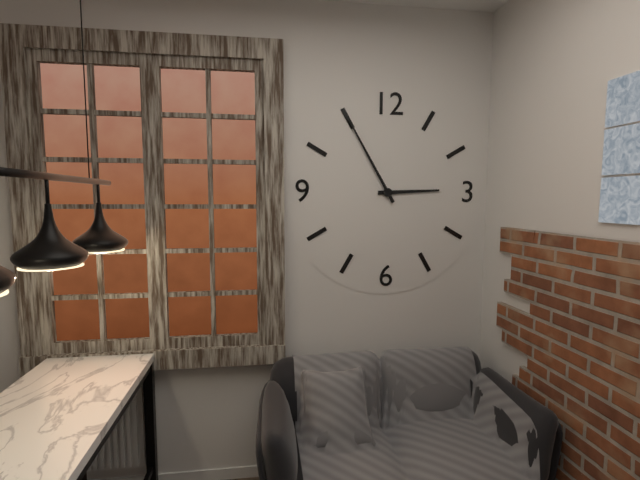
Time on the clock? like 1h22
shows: 2h55
